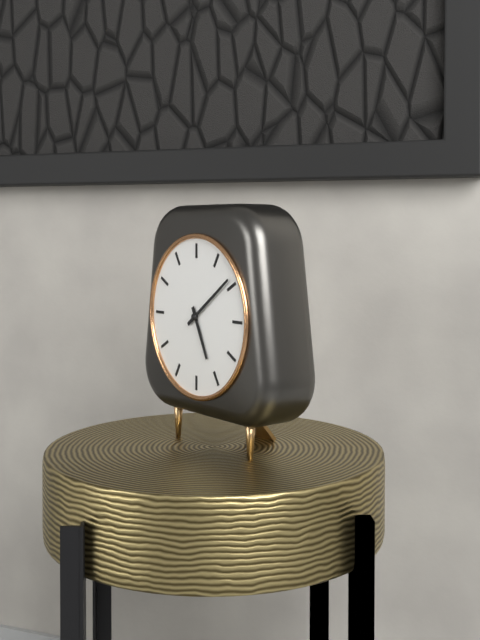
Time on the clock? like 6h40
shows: 5h09
